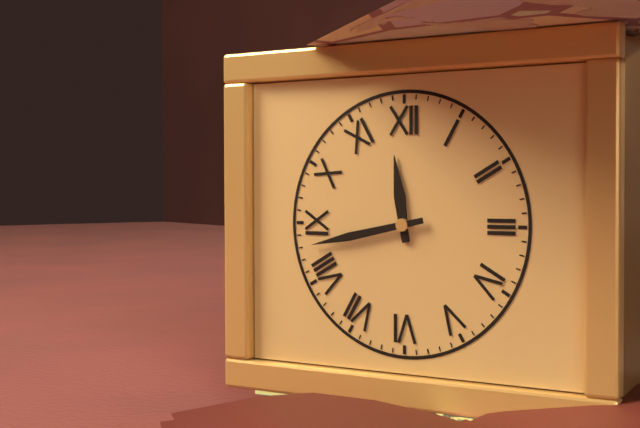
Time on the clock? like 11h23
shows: 11h43
